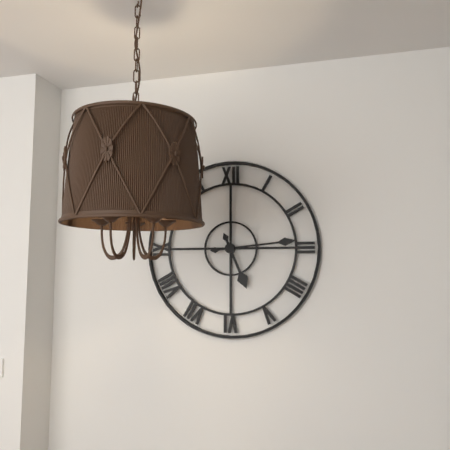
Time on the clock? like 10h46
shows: 5h14
